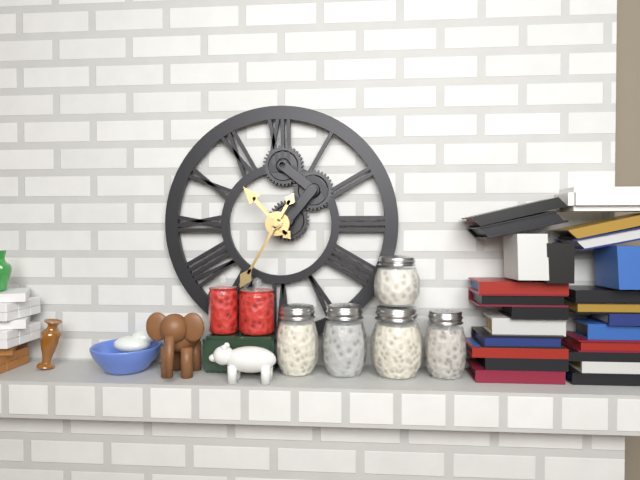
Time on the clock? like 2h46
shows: 10h35
